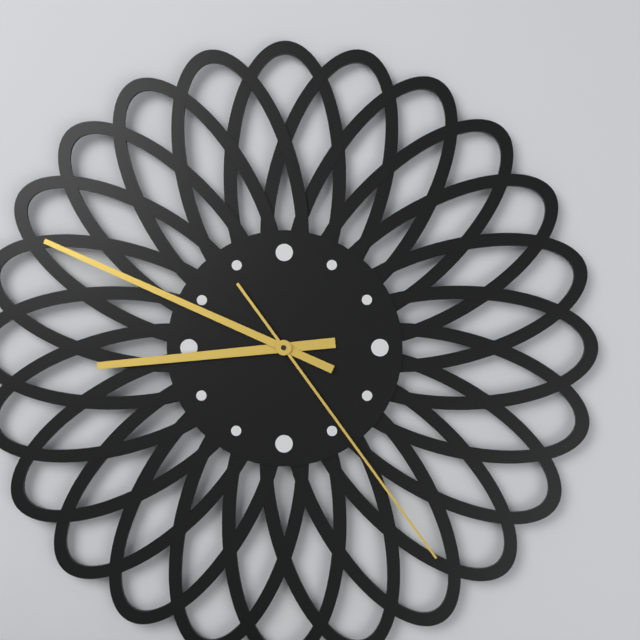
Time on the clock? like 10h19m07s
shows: 8h49m24s
